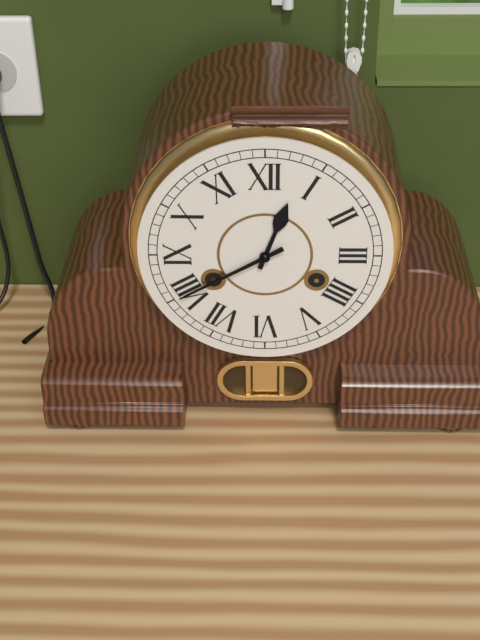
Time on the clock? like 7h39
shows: 12h40
